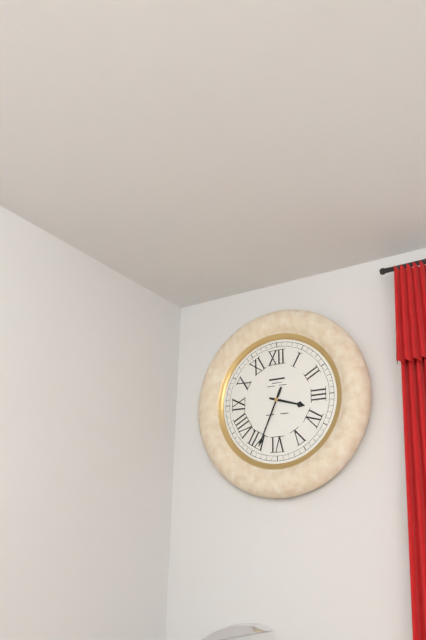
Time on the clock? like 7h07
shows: 3h34
